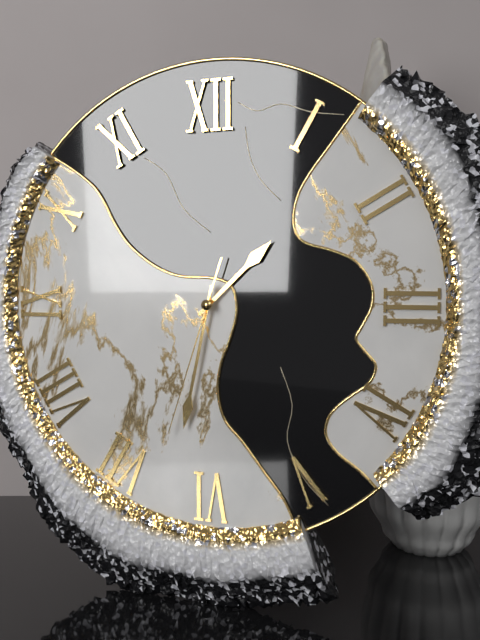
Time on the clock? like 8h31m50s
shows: 1h32m33s
